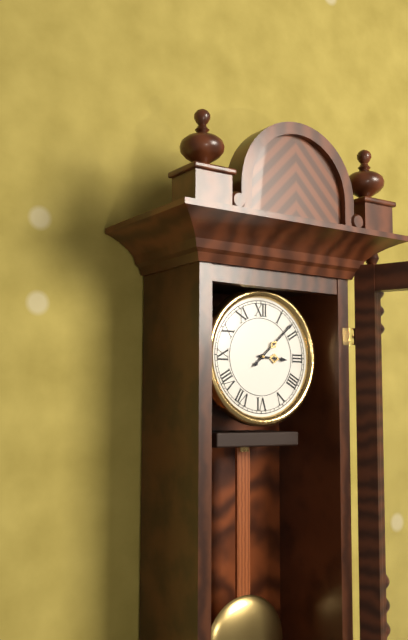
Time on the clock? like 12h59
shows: 3h08
